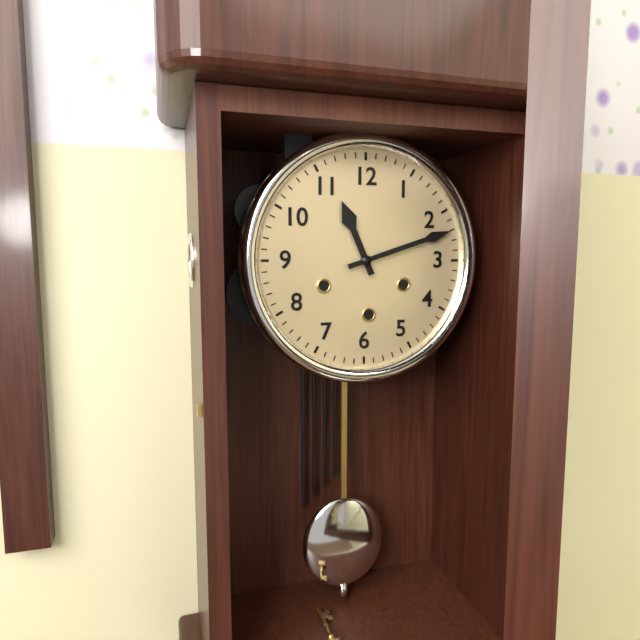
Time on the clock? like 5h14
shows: 11h12
